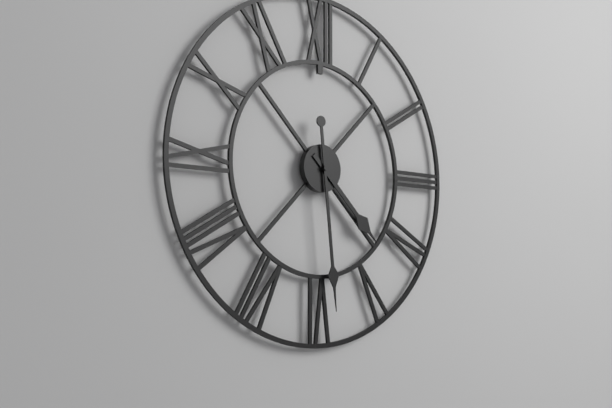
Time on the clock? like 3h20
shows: 4h29
